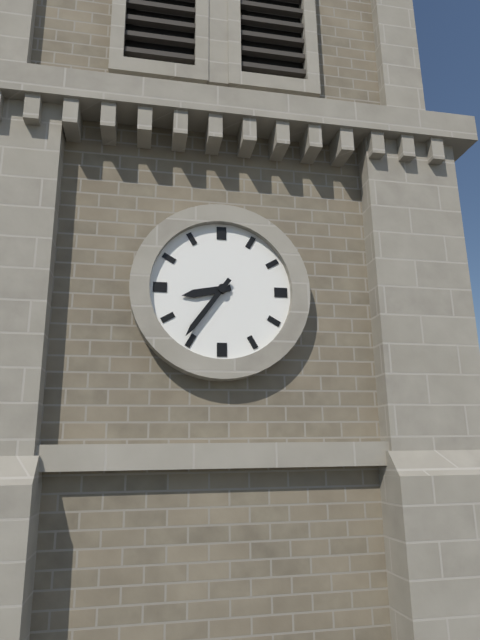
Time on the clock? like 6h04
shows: 8h36
